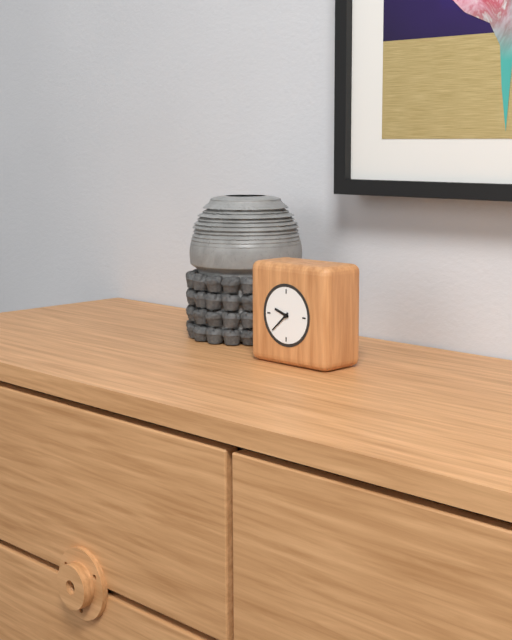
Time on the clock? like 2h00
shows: 9h38
